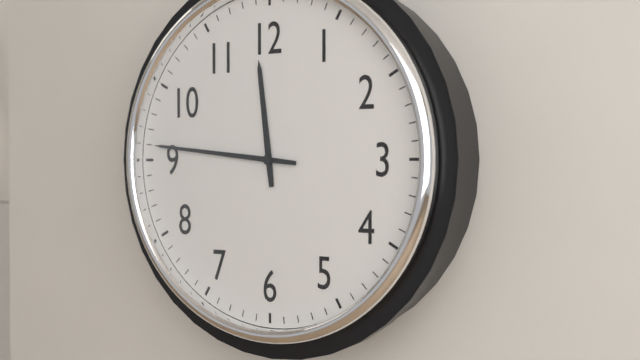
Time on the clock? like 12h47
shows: 11h46
